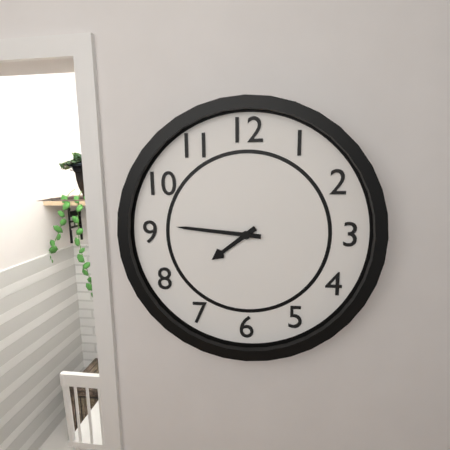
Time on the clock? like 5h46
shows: 7h46
